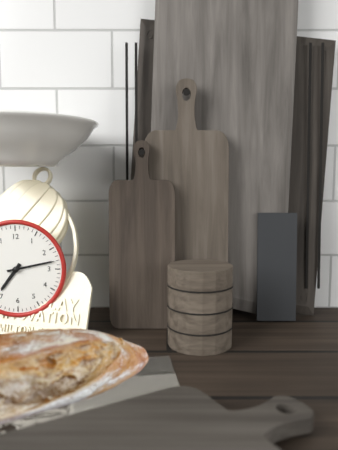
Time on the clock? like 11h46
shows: 7h13
